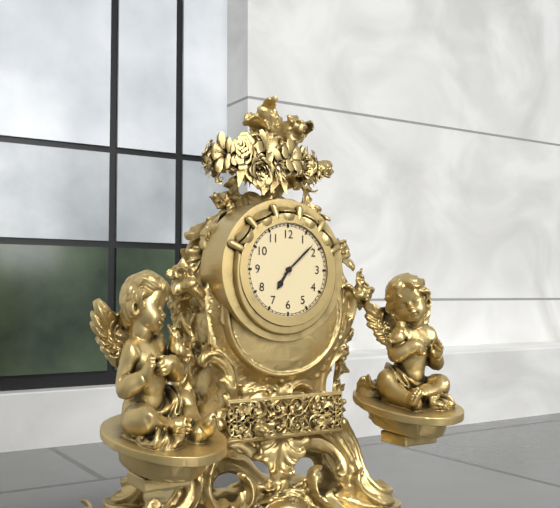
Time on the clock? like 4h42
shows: 7h08
